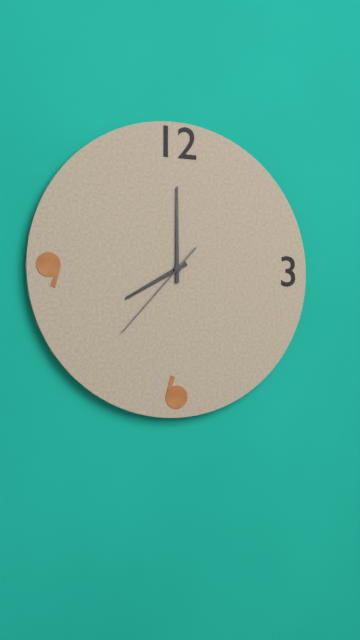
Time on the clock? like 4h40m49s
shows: 8h00m37s
